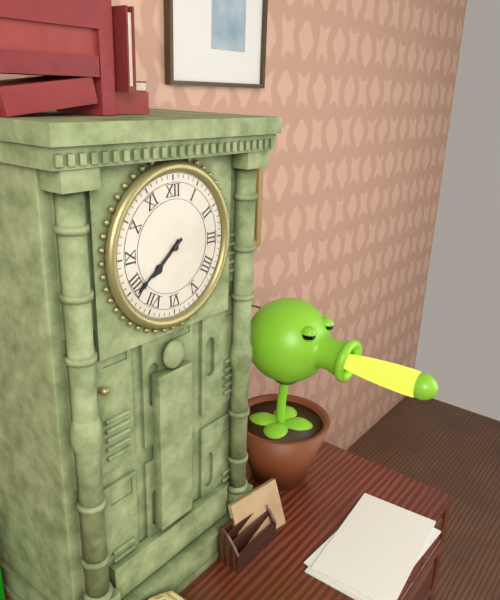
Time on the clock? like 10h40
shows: 7h39
